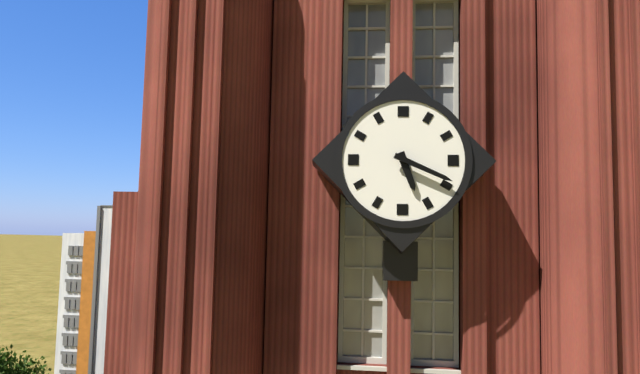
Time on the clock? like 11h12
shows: 5h19
